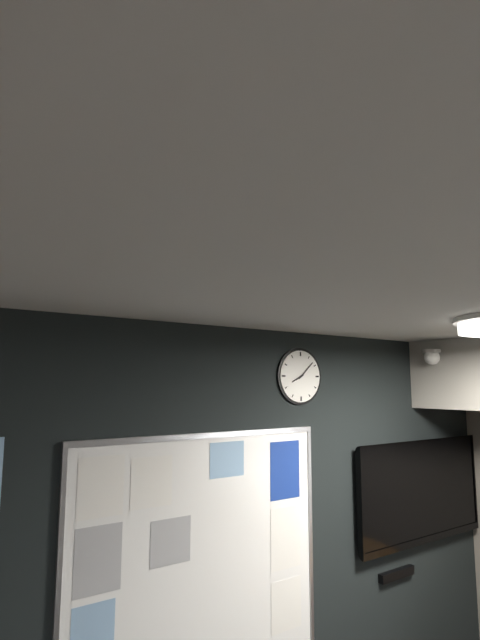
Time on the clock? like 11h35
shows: 8h08
